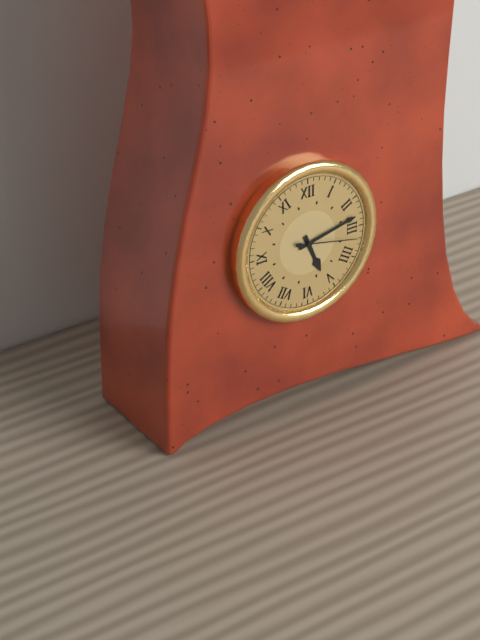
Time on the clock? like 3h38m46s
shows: 5h13m17s
